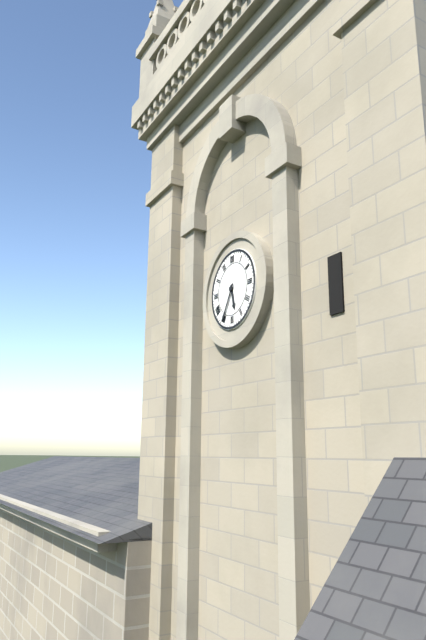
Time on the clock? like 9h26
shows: 5h35
